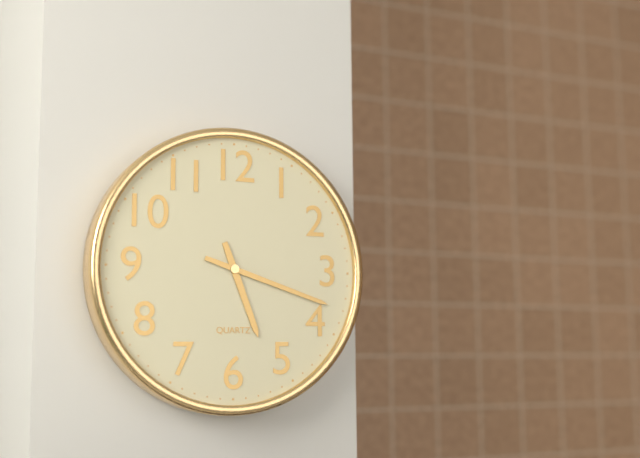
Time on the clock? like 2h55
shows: 5h18
